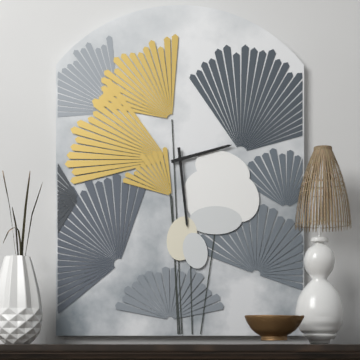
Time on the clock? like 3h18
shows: 2h29
